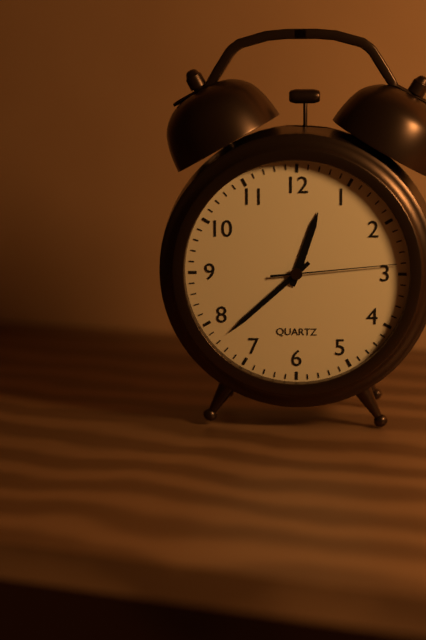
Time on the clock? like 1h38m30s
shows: 12h38m14s
